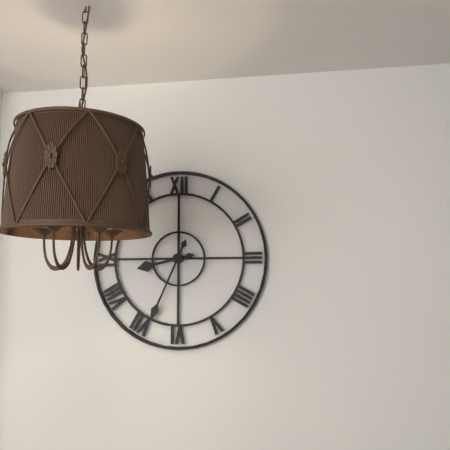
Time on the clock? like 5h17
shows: 8h34
